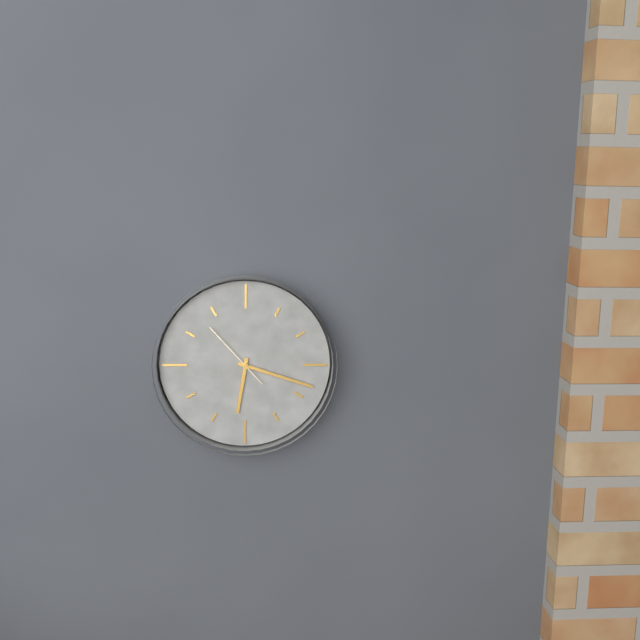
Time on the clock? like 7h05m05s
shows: 6h18m53s
